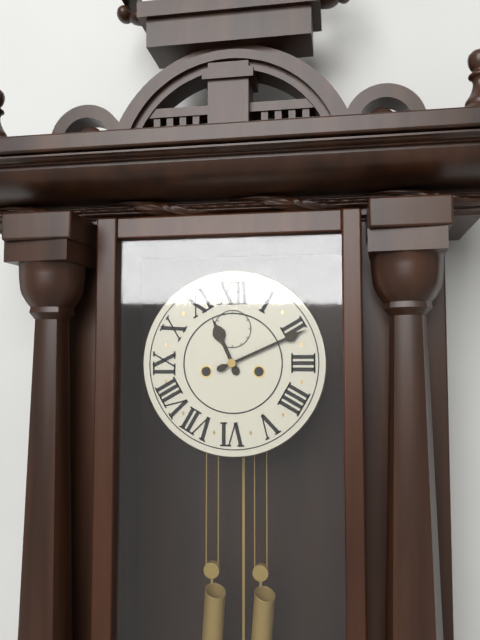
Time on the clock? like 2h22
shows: 11h11
